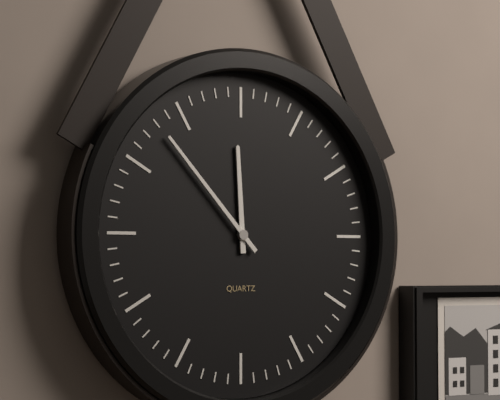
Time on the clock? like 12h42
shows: 11h53
